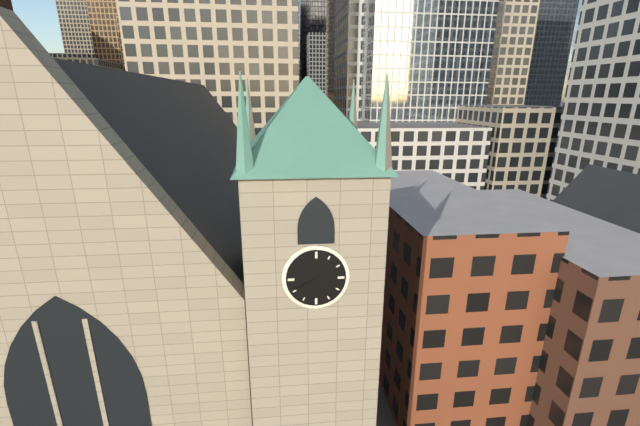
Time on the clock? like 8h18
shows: 7h41
